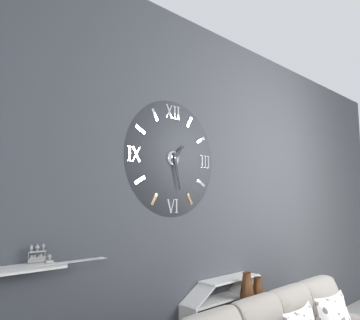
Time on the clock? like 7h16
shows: 1h28
